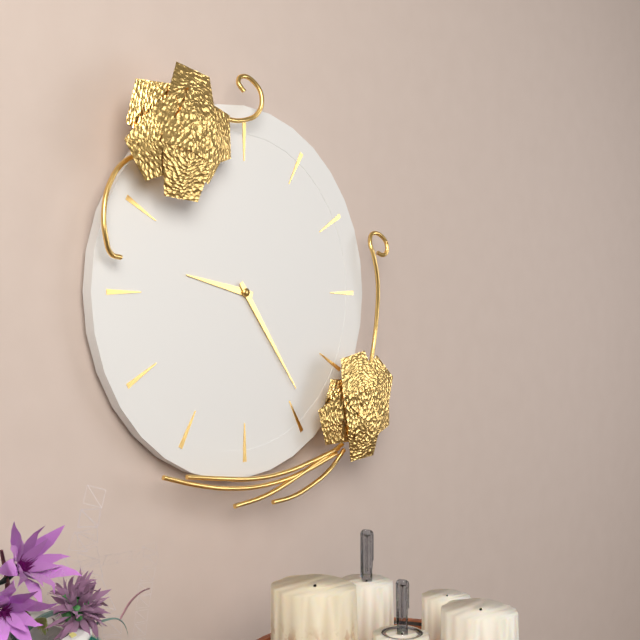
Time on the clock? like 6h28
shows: 9h24
